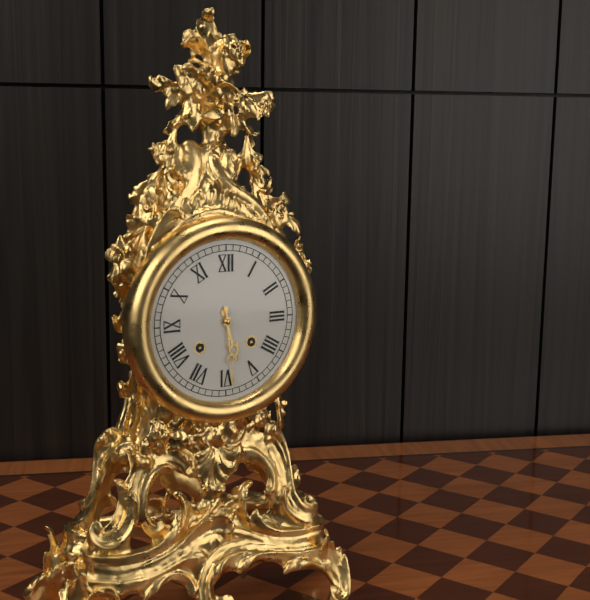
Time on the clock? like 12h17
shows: 5h29
